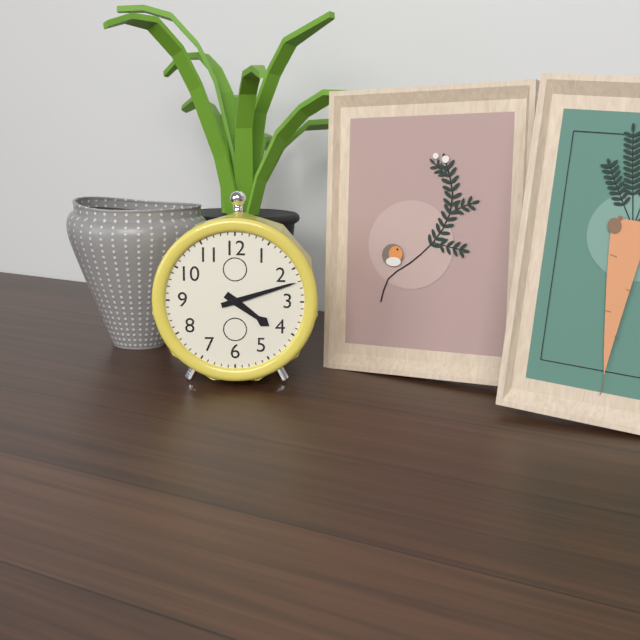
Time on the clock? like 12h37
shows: 4h12
